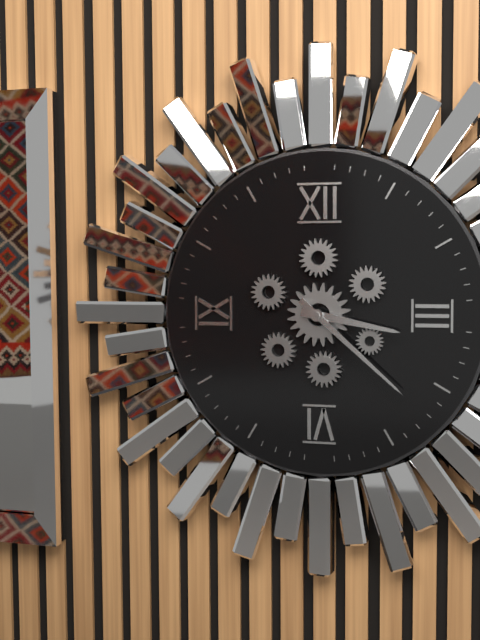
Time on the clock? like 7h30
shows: 3h22
